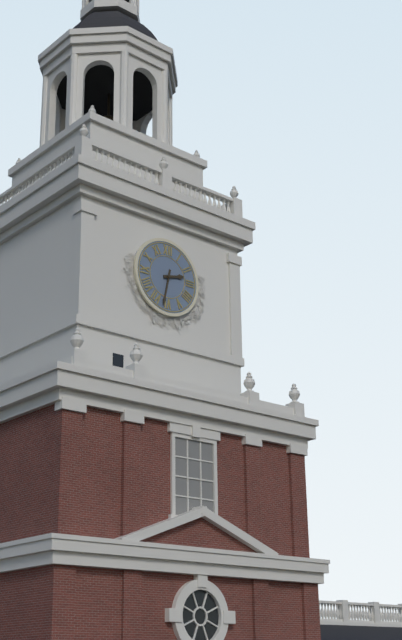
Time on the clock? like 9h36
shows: 2h32
